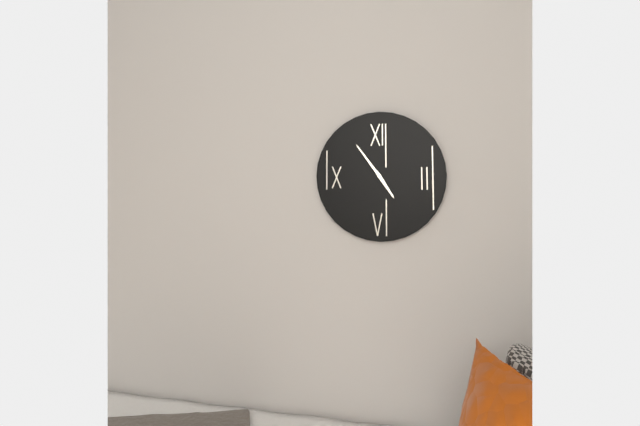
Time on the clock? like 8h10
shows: 4h54
